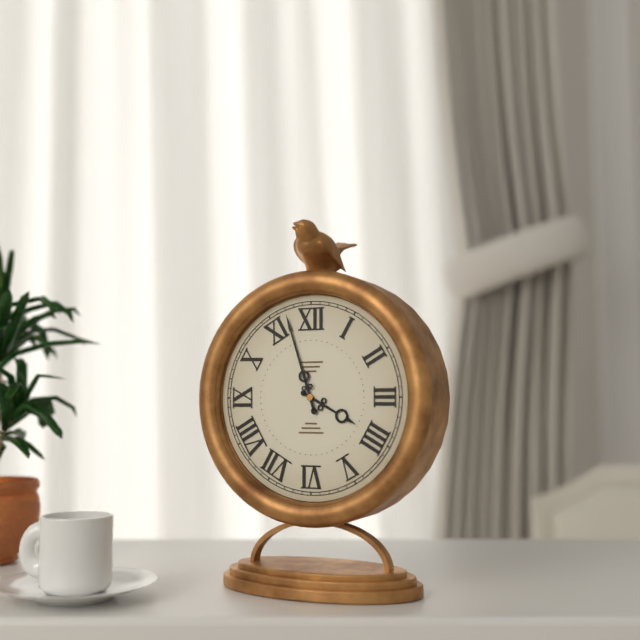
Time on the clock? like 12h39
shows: 3h57
